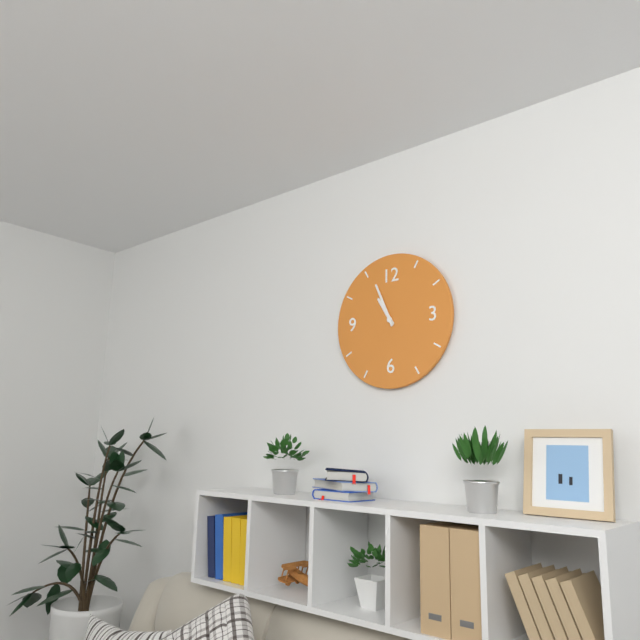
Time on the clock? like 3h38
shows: 10h56
